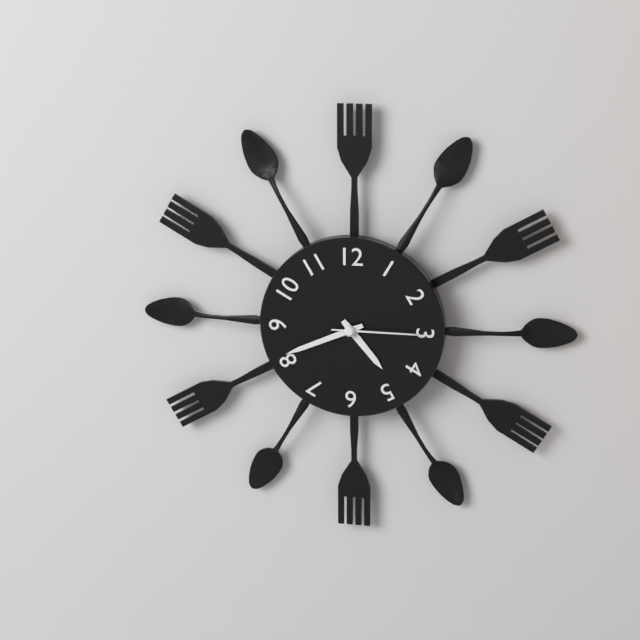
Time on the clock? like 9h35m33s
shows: 4h41m15s
